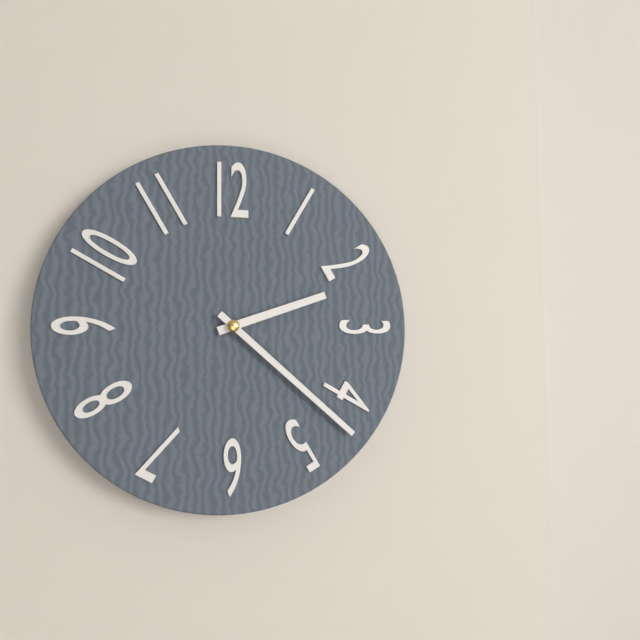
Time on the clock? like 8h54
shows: 2h22
